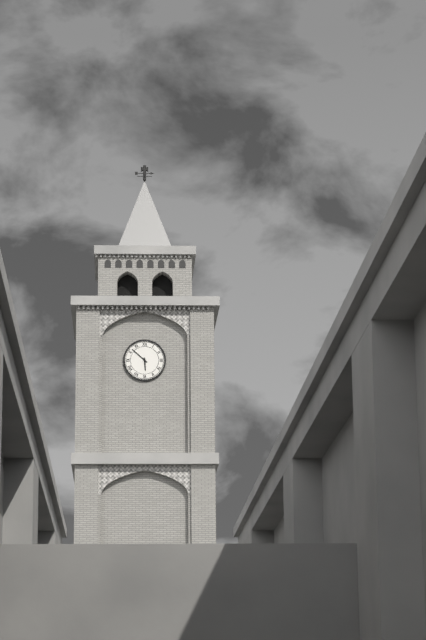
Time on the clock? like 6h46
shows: 5h52
